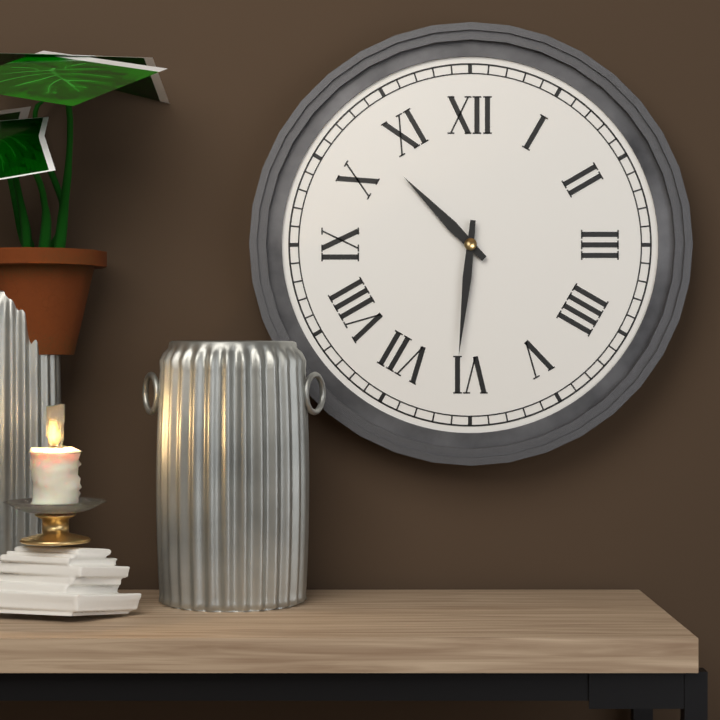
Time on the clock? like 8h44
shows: 10h31
